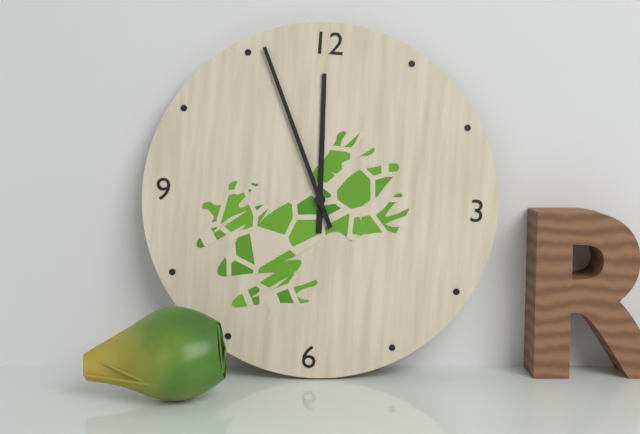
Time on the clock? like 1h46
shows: 11h56
